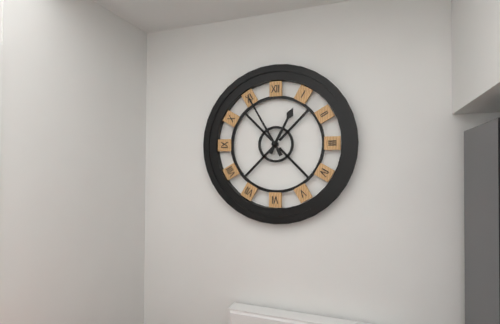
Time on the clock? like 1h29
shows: 12h55
